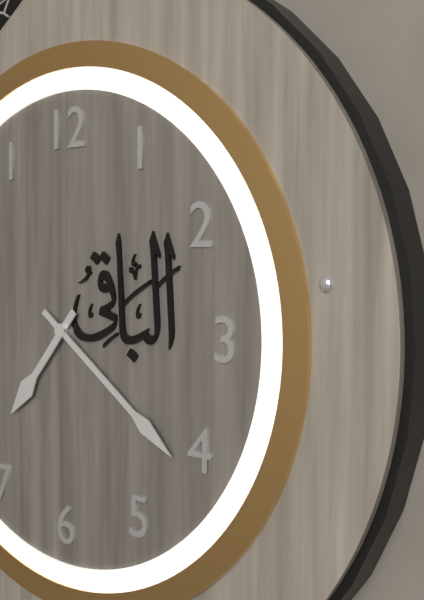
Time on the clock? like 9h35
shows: 7h21
